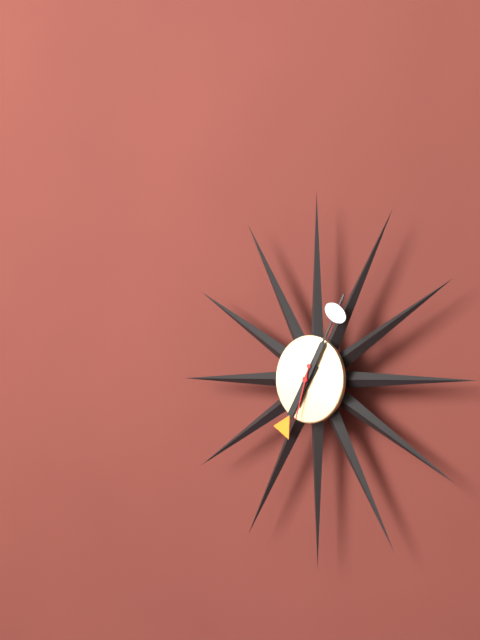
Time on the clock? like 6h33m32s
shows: 7h05m33s
